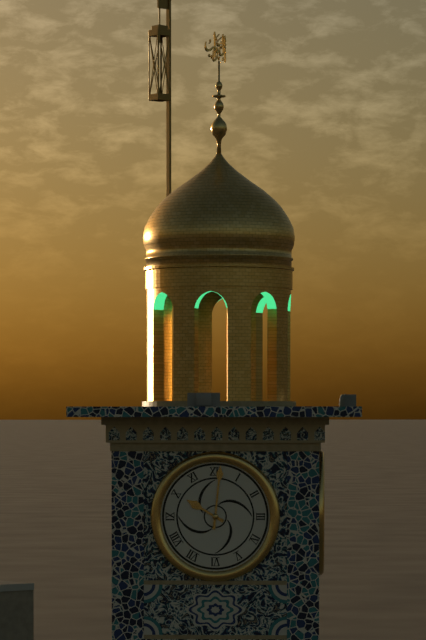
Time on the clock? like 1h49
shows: 10h01
